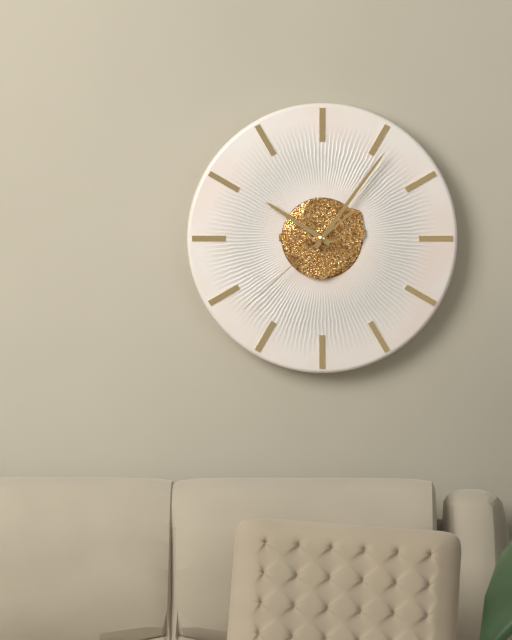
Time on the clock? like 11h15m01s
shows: 10h06m38s
